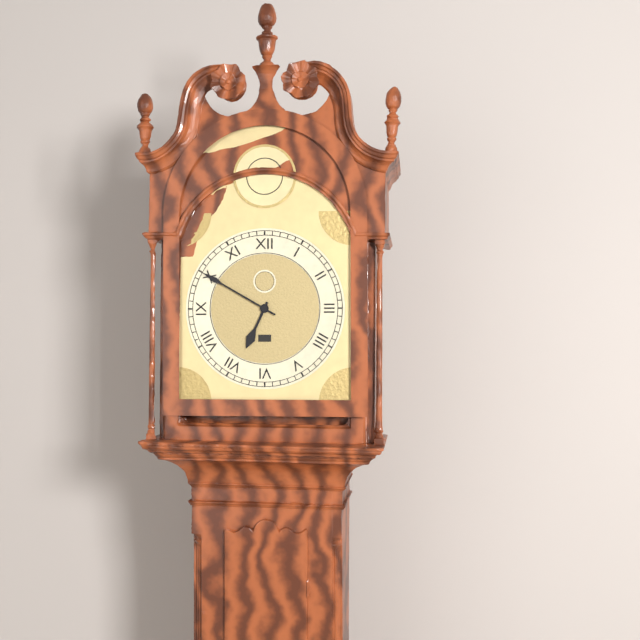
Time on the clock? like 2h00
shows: 6h50
